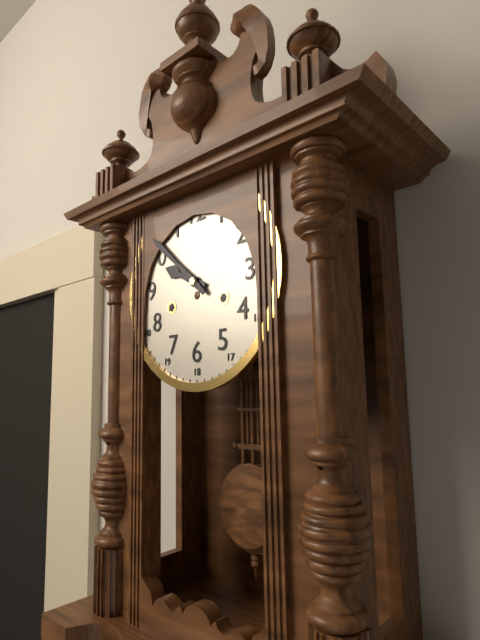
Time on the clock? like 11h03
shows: 9h52
